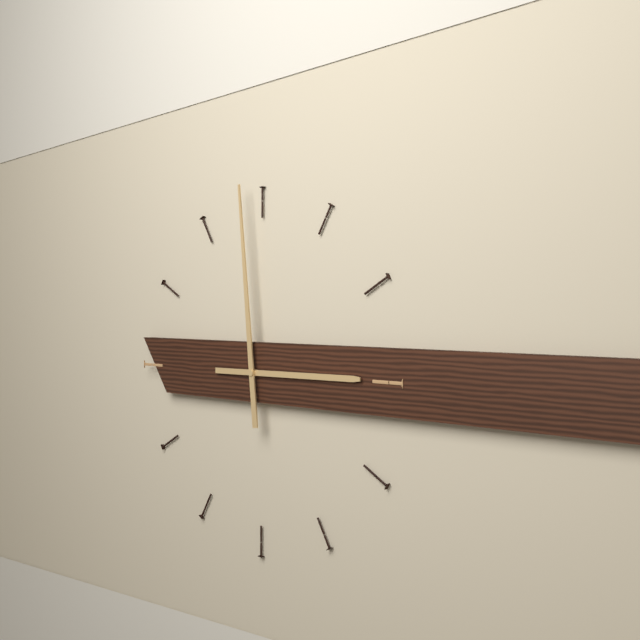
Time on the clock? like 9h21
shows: 2h59
